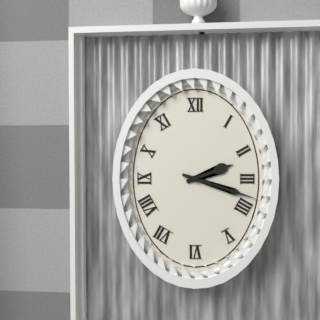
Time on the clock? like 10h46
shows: 2h18
